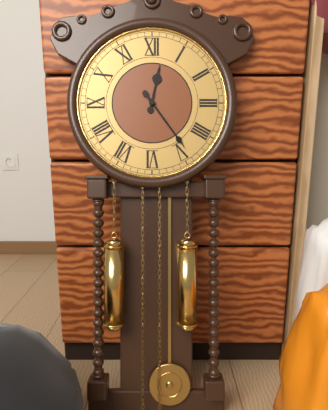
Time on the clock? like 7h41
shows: 12h24
